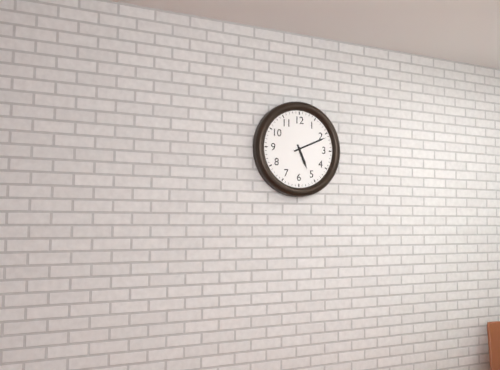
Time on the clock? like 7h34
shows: 5h11
